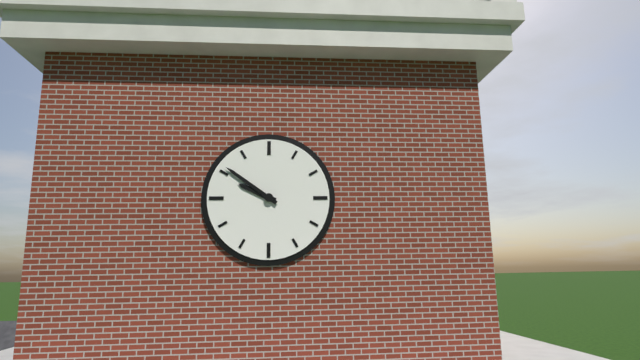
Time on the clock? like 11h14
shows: 9h51
